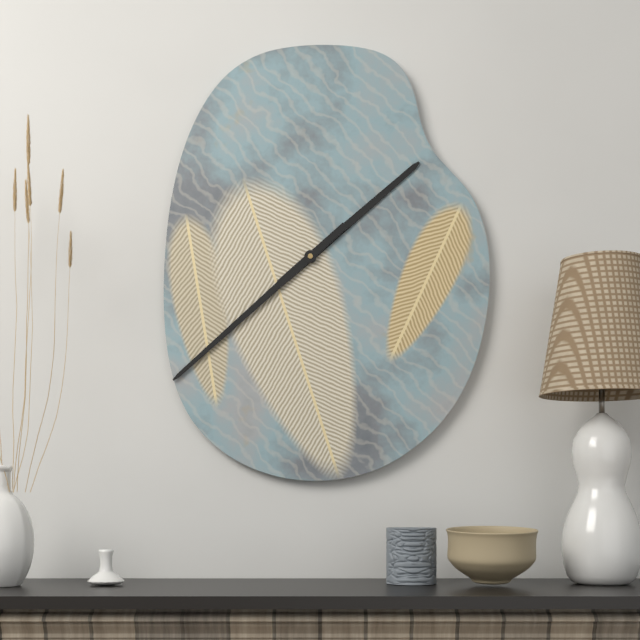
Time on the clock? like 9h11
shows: 1h38
